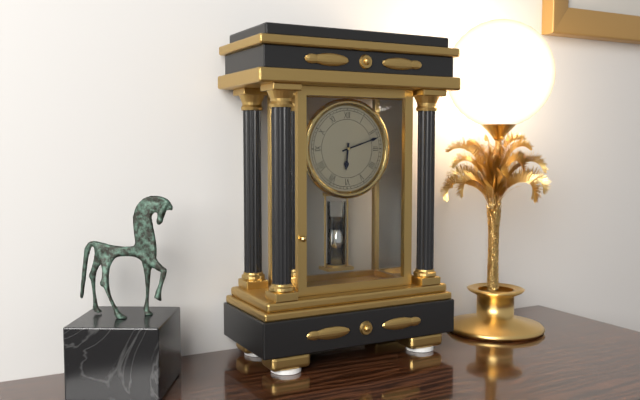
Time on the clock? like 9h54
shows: 6h12
